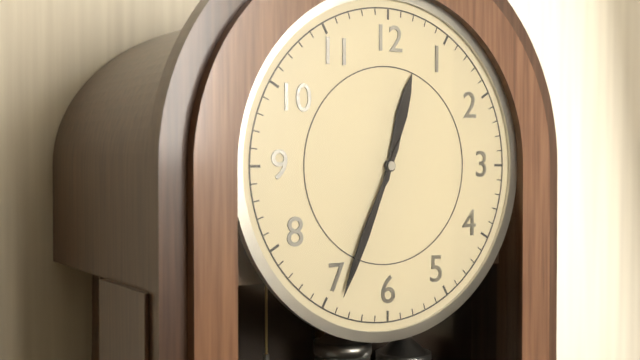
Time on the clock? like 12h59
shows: 12h34
